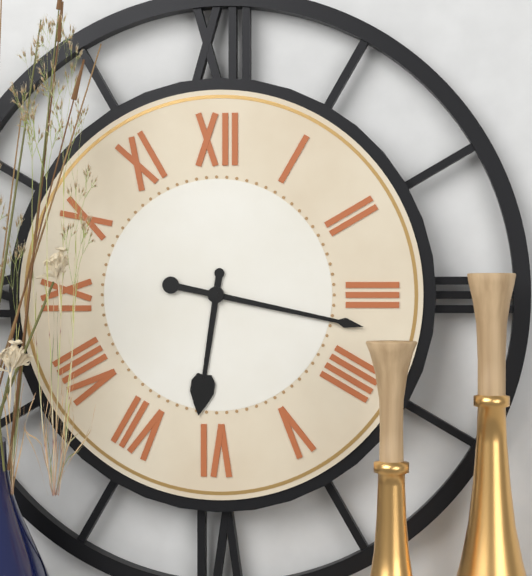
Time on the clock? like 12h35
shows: 6h17
